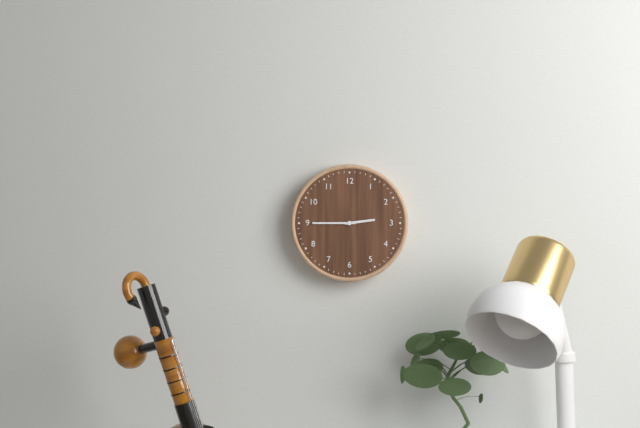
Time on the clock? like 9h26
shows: 2h45
